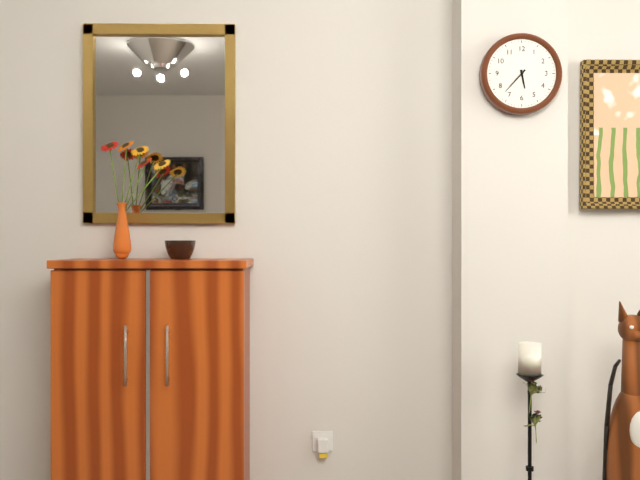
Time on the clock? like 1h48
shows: 5h37
